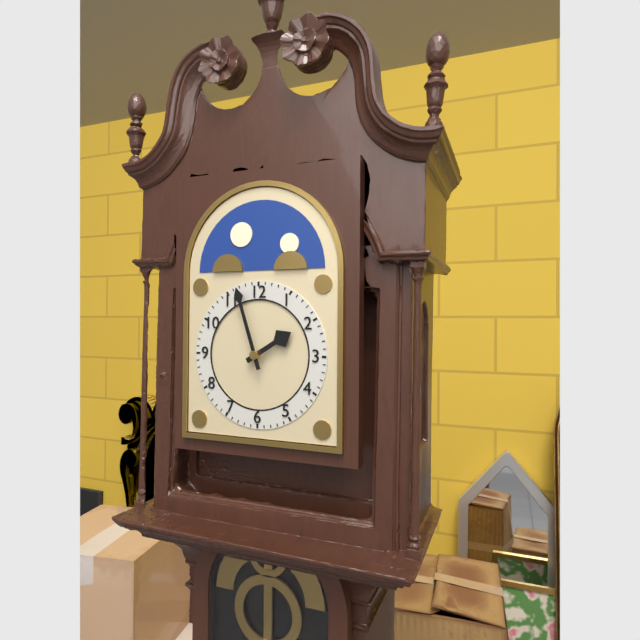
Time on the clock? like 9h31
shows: 1h57
